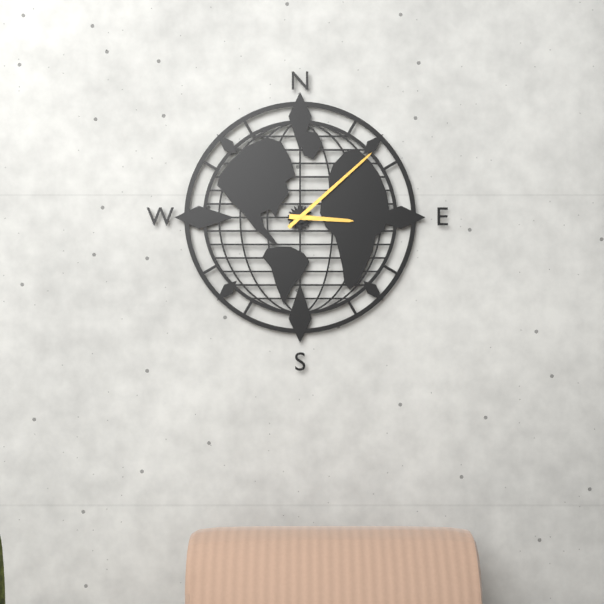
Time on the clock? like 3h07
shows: 3h08
